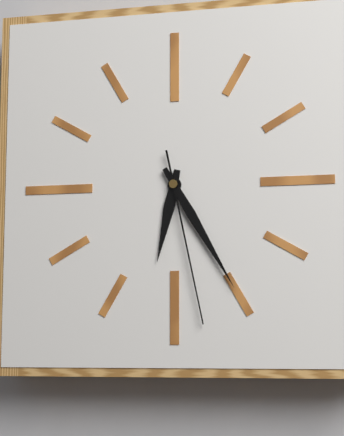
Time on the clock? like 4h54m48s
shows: 6h25m28s
